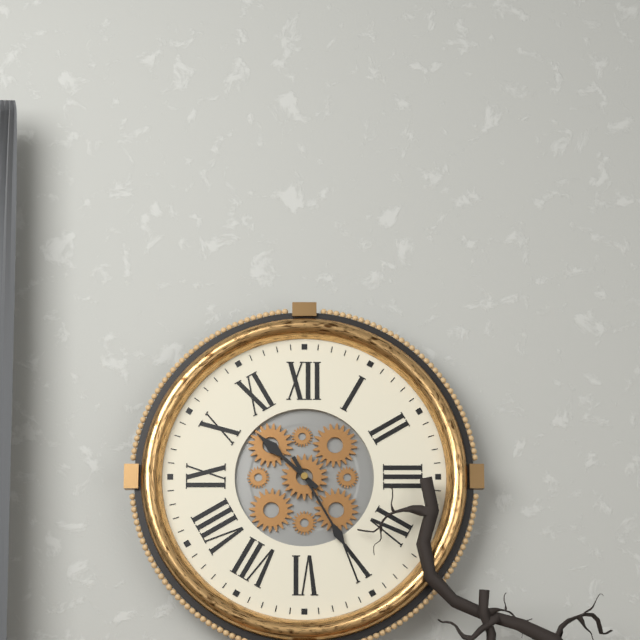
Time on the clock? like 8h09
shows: 10h25
